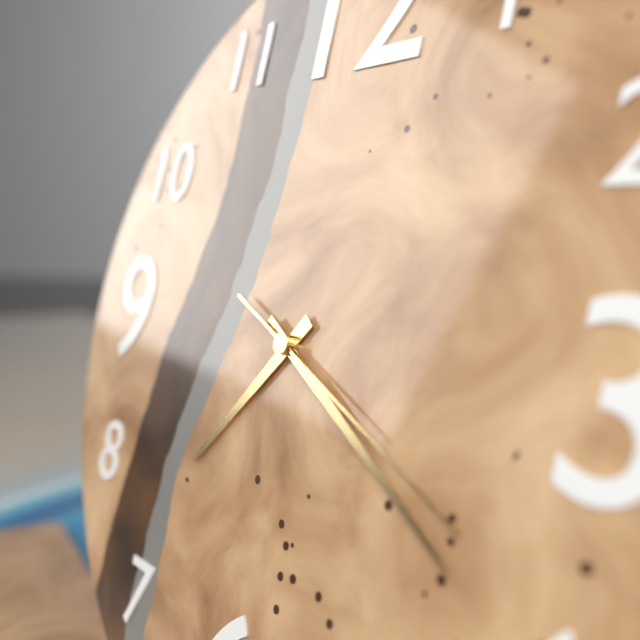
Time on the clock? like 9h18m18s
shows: 7h20m19s
